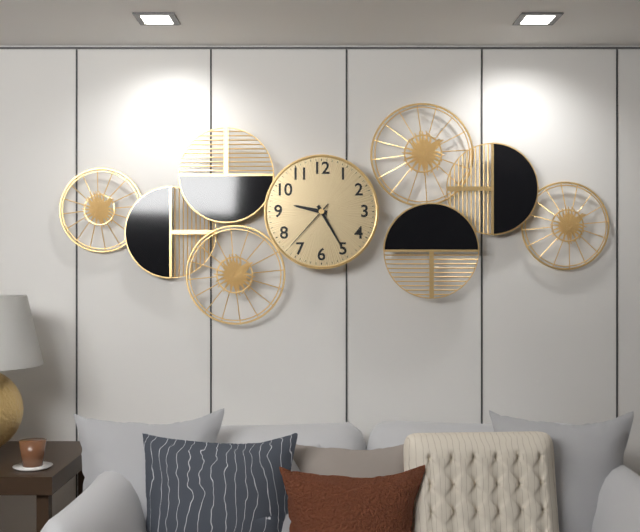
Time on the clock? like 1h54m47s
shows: 9h25m37s
